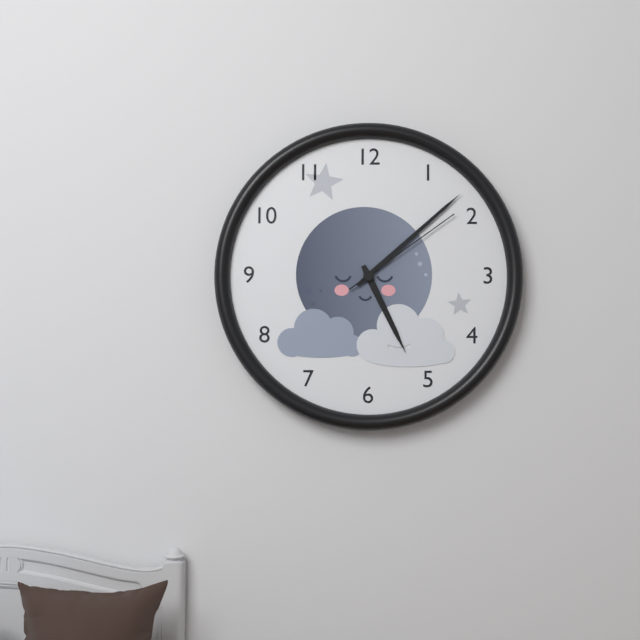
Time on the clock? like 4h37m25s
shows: 5h08m09s
